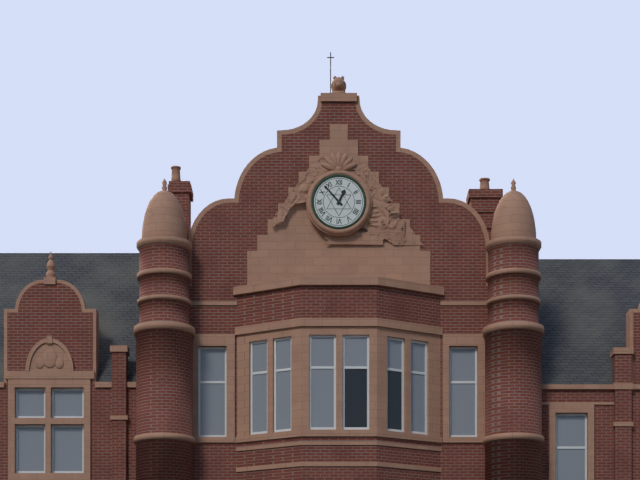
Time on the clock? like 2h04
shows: 12h53
